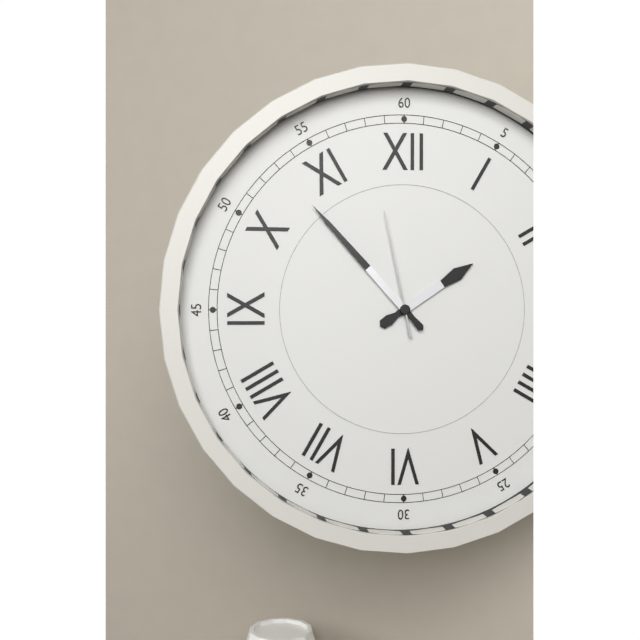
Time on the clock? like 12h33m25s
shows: 1h53m58s
